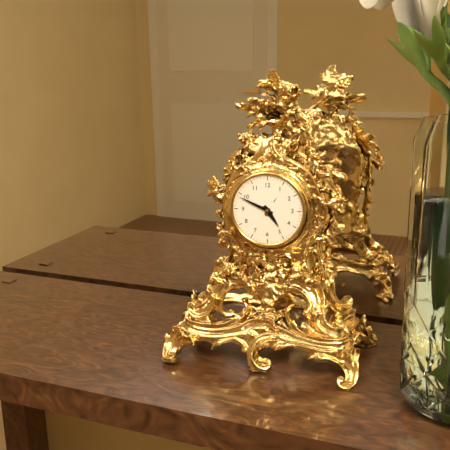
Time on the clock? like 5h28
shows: 4h49
